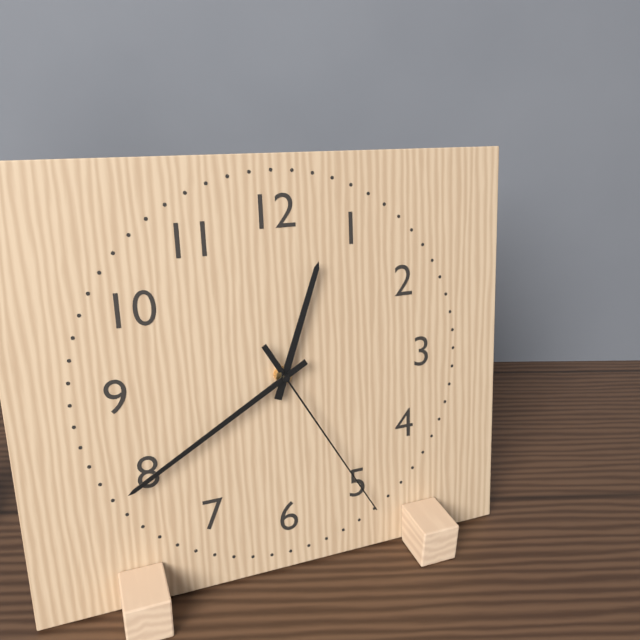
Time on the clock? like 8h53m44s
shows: 12h40m25s
